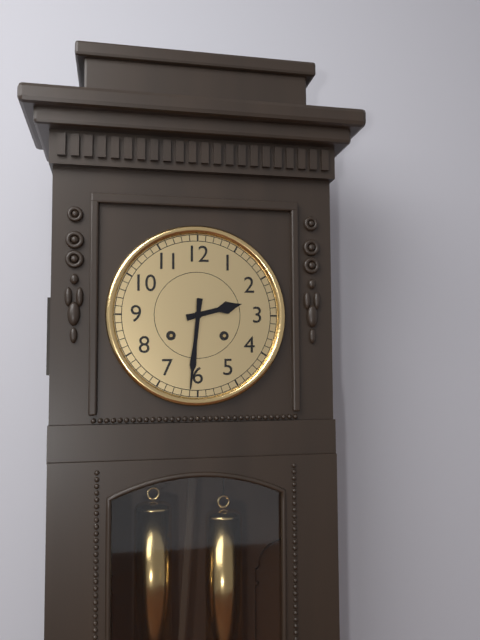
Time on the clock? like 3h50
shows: 2h31
